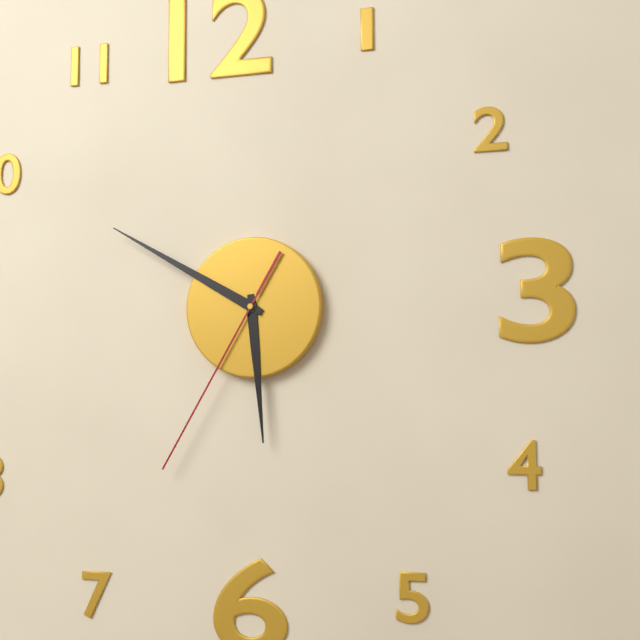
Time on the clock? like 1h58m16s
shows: 5h50m35s
